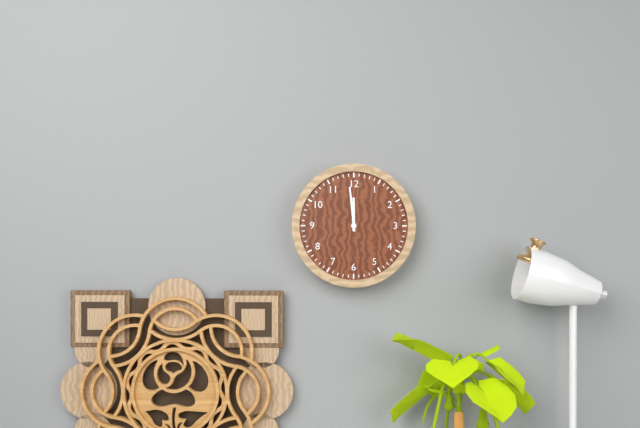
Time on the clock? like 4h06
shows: 11h59
